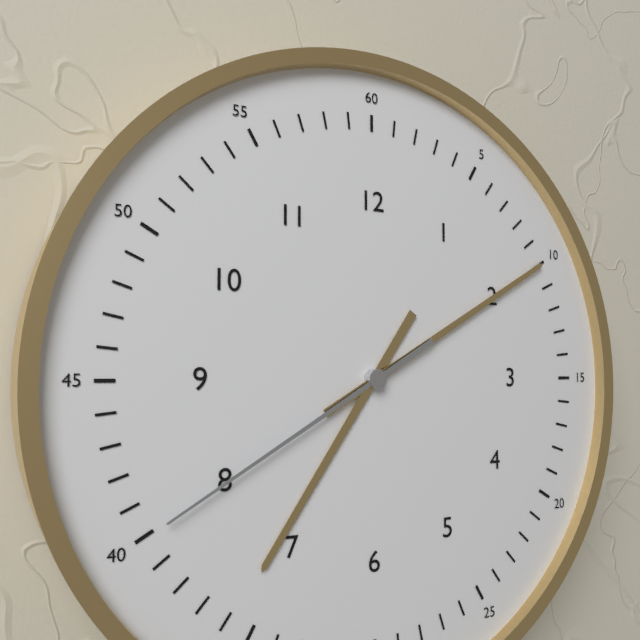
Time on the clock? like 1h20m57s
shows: 7h10m40s
